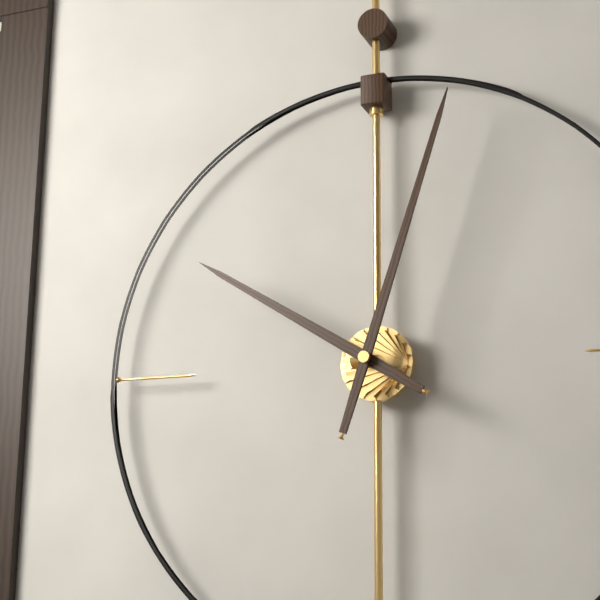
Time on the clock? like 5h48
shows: 10h03
